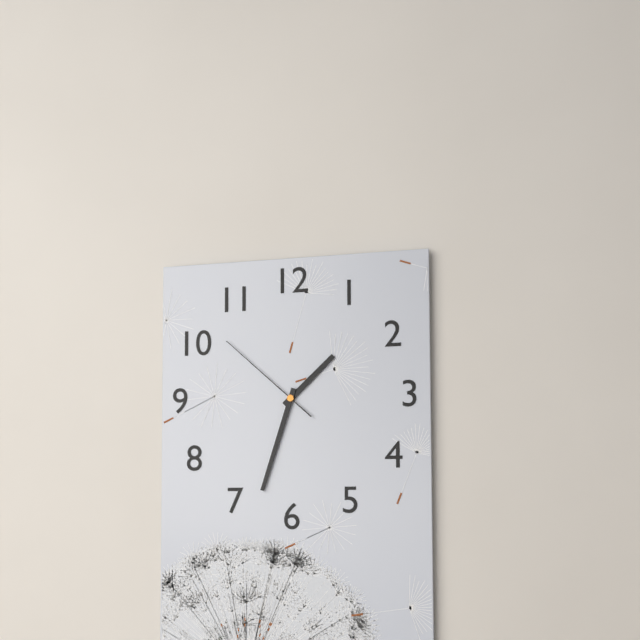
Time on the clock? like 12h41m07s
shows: 1h33m52s
